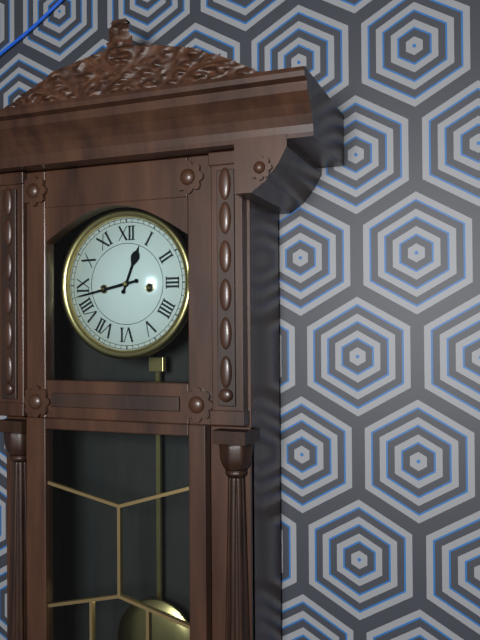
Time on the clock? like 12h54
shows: 12h43
